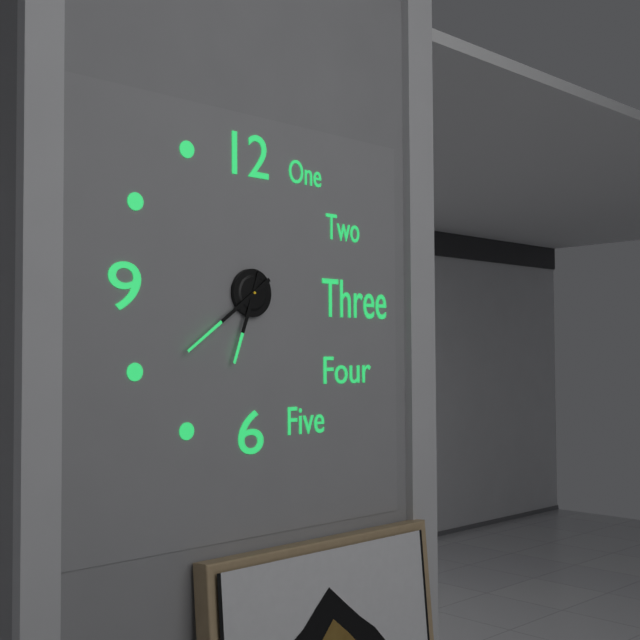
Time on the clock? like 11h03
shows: 6h39
